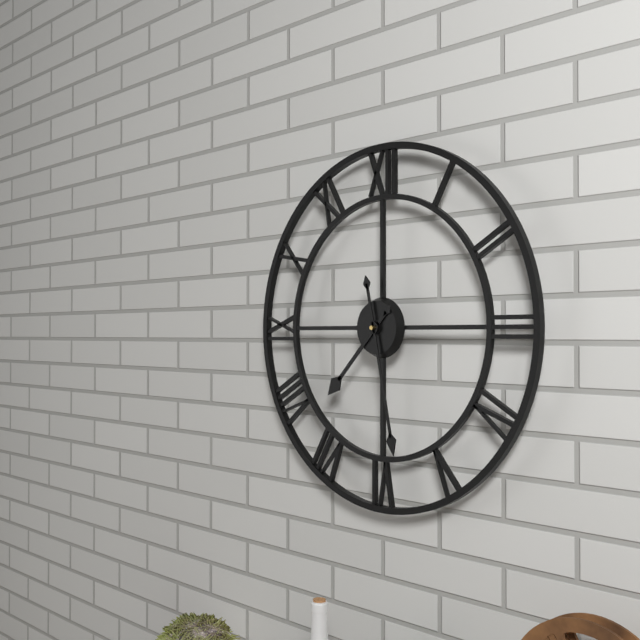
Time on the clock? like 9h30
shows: 7h28
